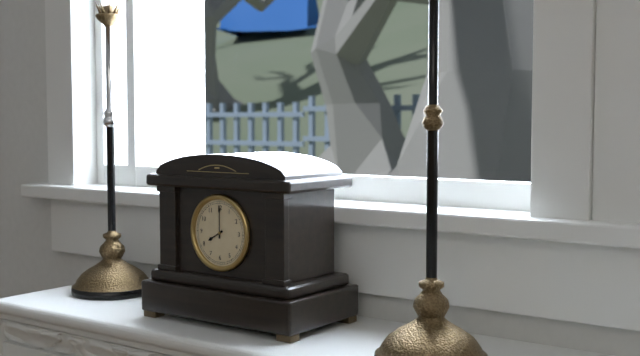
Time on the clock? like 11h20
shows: 8h00
